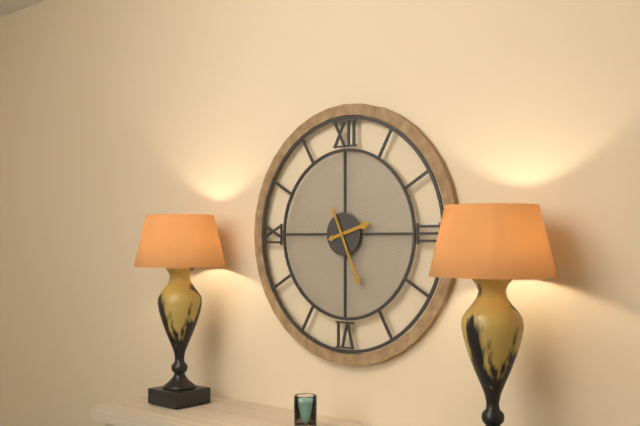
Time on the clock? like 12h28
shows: 2h26
